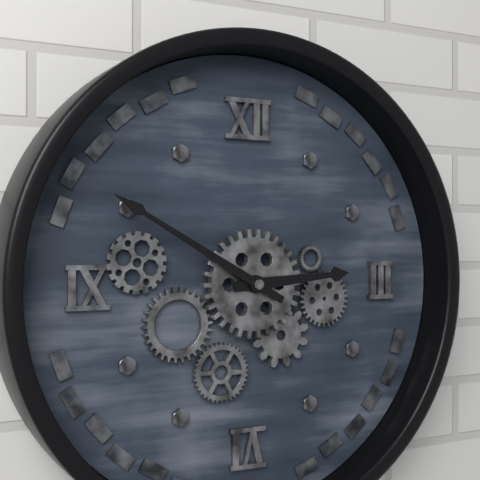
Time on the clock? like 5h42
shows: 2h50
